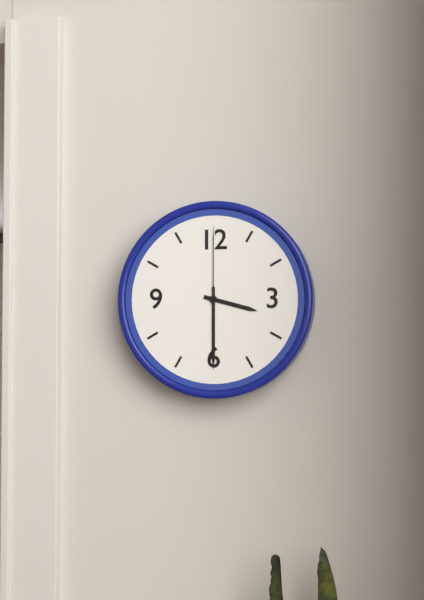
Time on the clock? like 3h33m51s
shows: 3h30m00s
